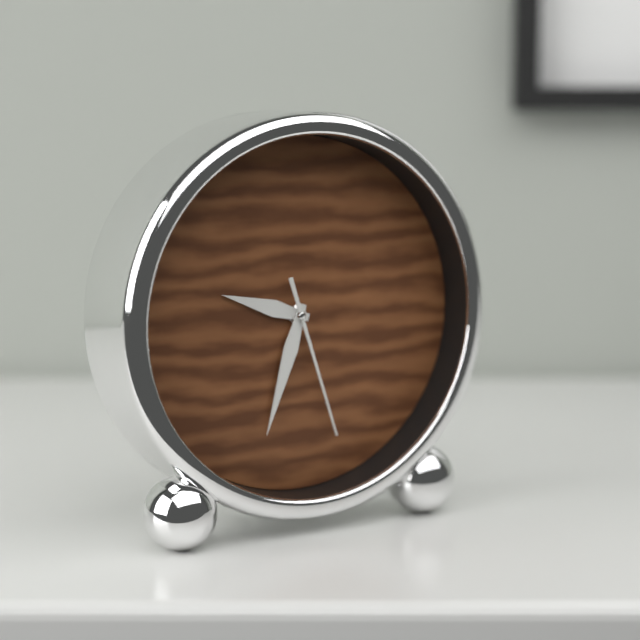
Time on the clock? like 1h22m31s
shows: 9h33m27s
